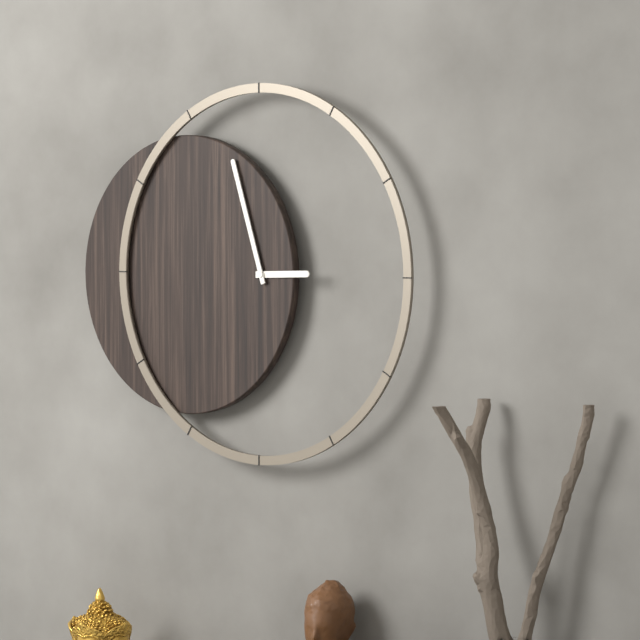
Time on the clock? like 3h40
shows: 2h57
